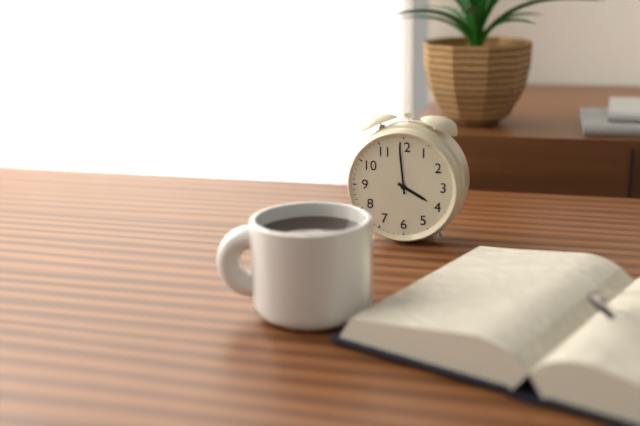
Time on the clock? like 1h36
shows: 3h59
